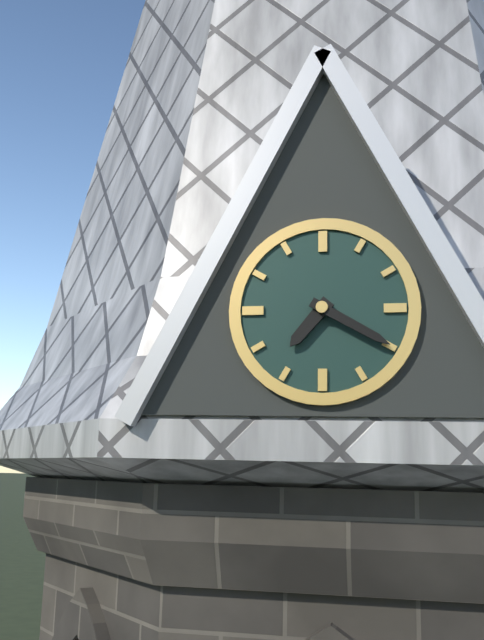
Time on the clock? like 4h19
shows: 7h20
